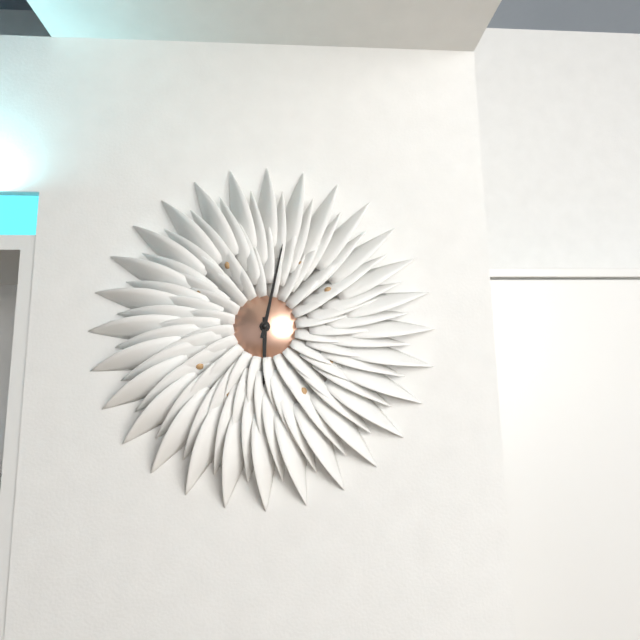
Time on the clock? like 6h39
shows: 6h02
